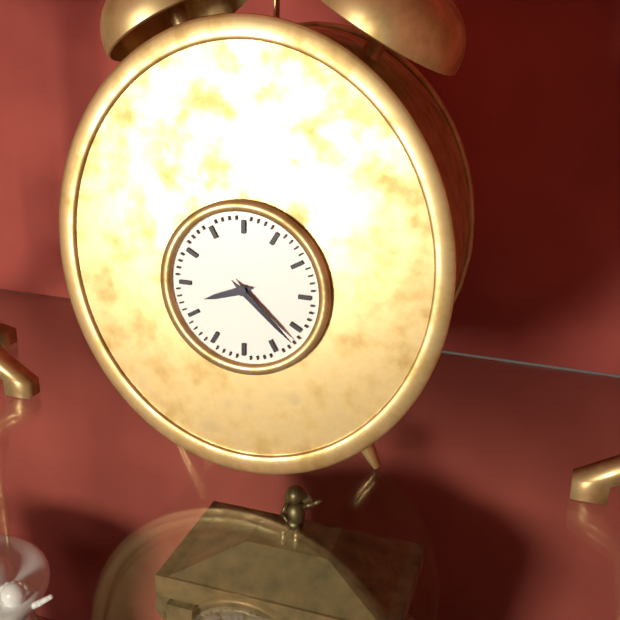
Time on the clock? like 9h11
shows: 8h22
